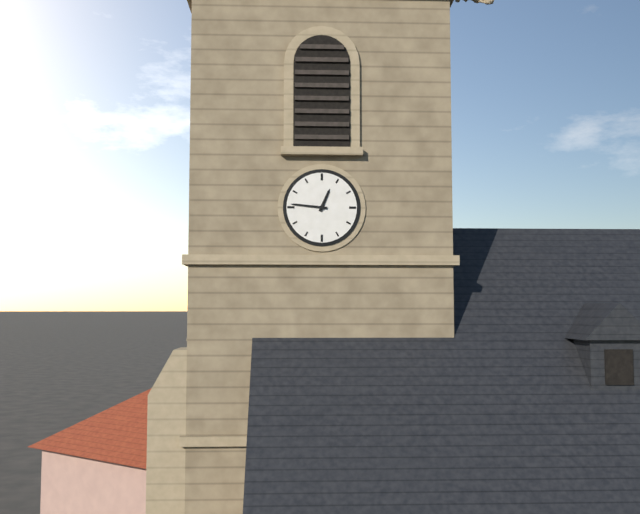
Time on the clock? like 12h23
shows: 12h46
